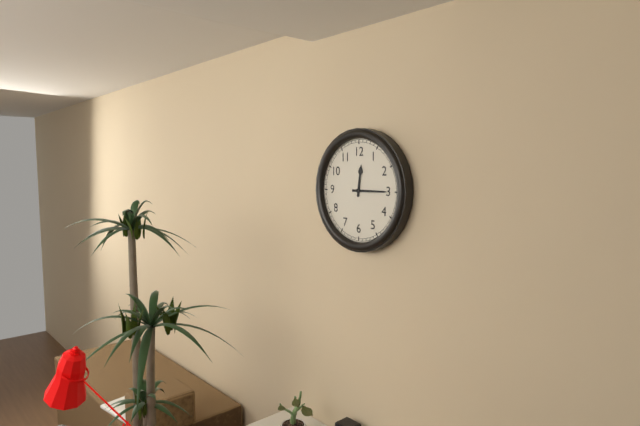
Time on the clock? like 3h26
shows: 12h15
